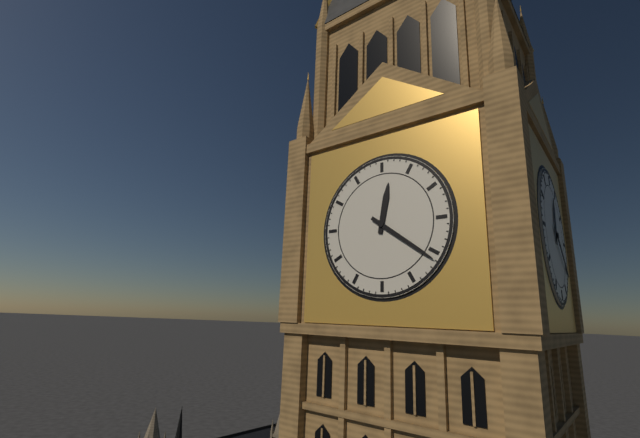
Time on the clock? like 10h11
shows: 12h21
